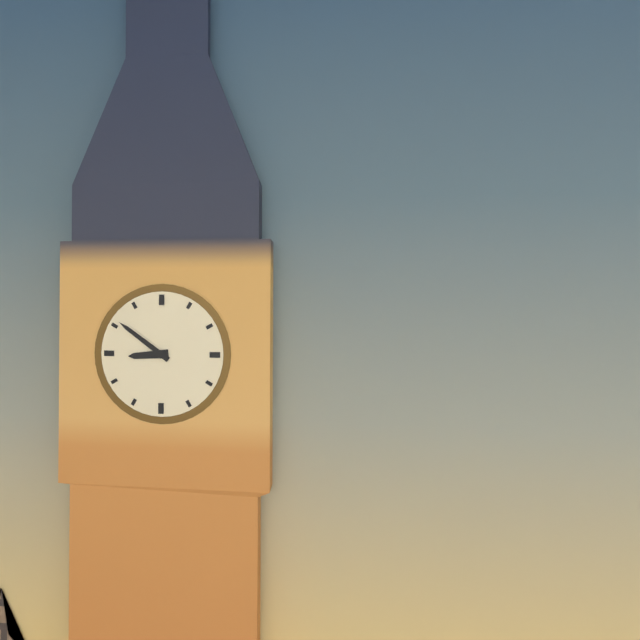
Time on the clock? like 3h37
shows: 8h51
